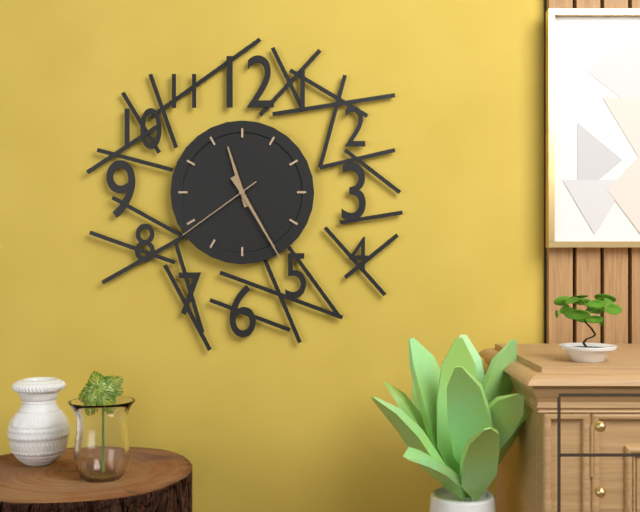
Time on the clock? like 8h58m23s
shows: 11h25m39s
